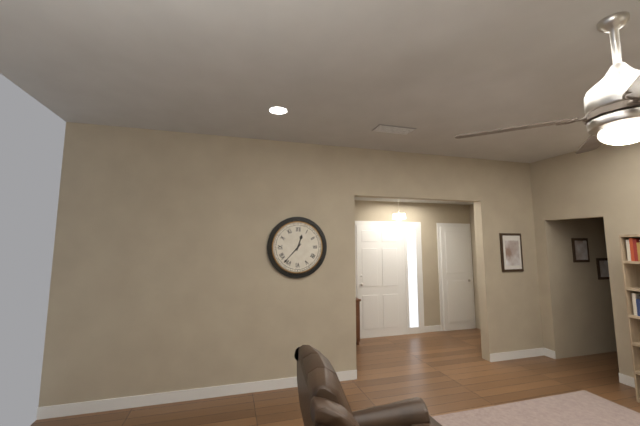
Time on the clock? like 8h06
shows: 12h37
